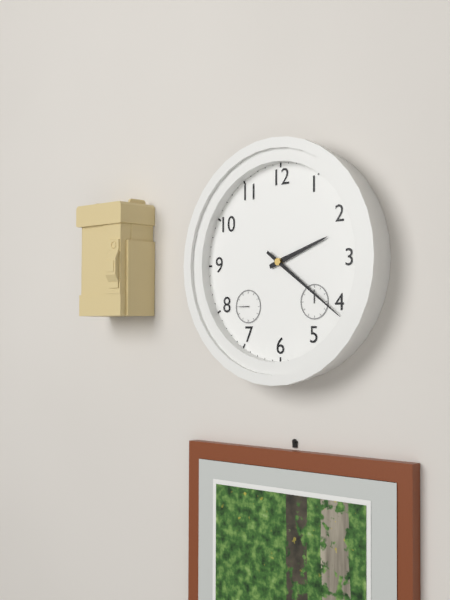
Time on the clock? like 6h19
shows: 2h21
